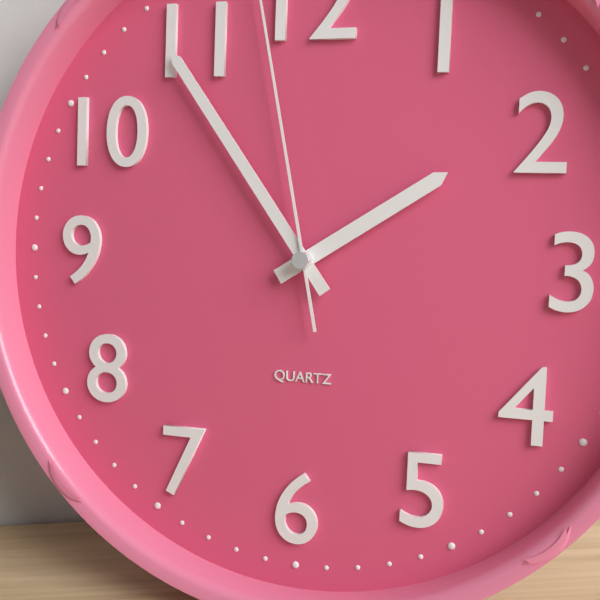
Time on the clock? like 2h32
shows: 1h54
